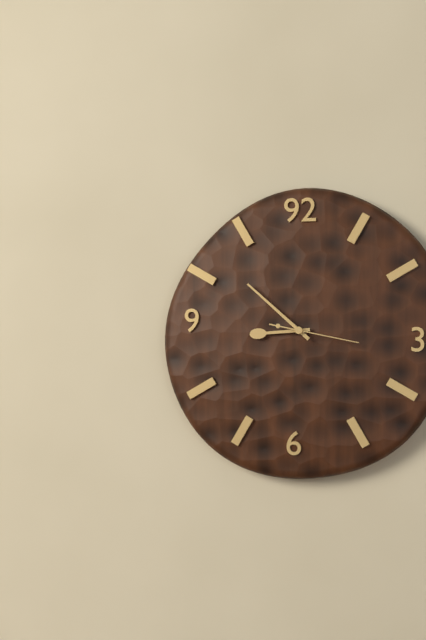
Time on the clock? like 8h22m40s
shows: 8h52m17s
